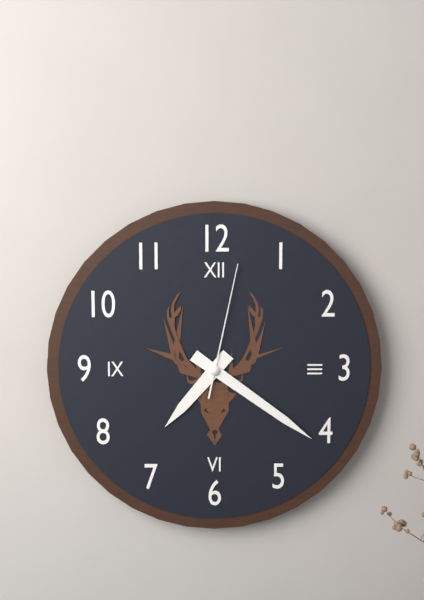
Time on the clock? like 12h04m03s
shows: 7h21m02s
